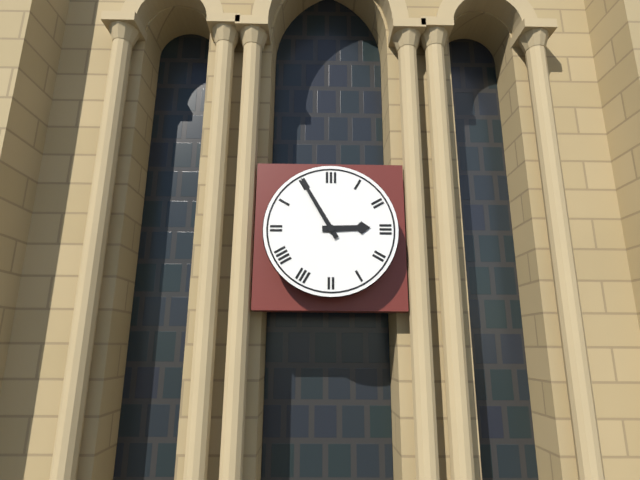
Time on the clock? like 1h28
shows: 2h55
